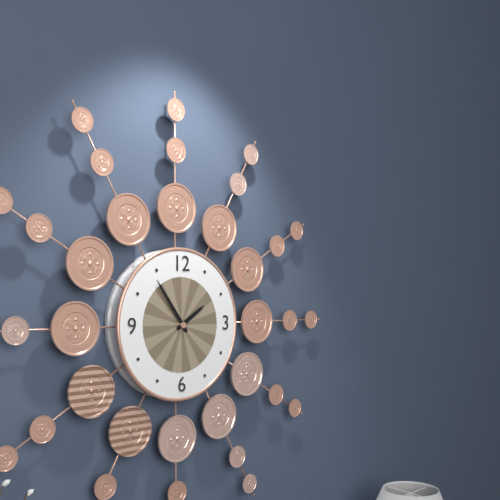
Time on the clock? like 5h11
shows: 1h54
